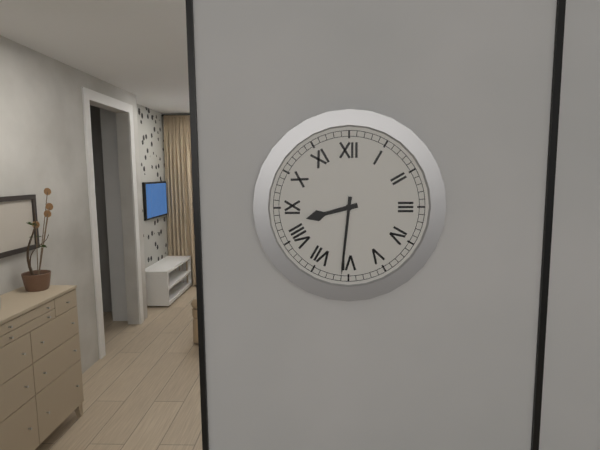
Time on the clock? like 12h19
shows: 8h31
